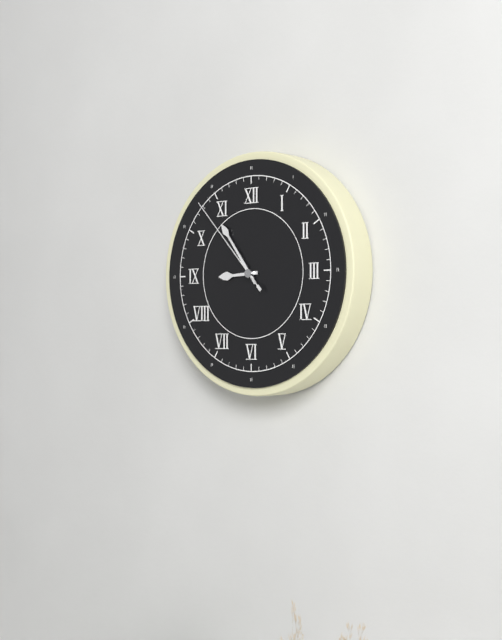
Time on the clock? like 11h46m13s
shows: 8h54m53s
